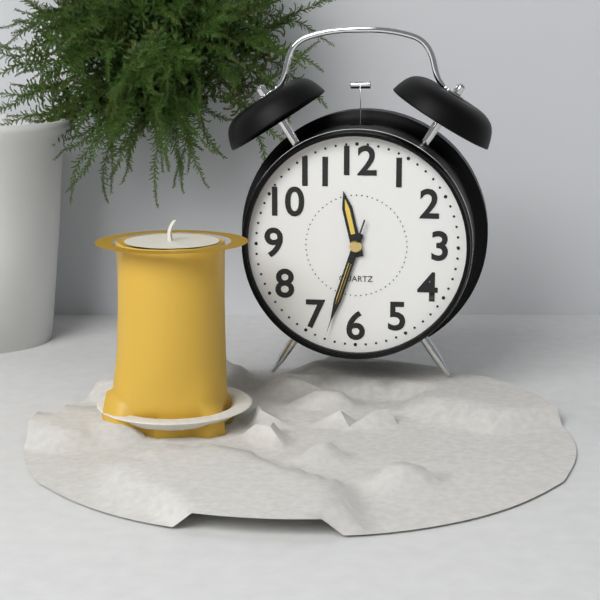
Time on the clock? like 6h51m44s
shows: 11h33m33s
